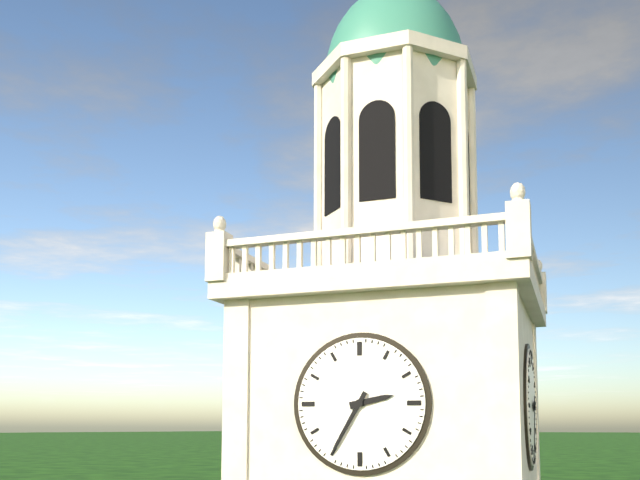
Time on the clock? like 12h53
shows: 2h35
